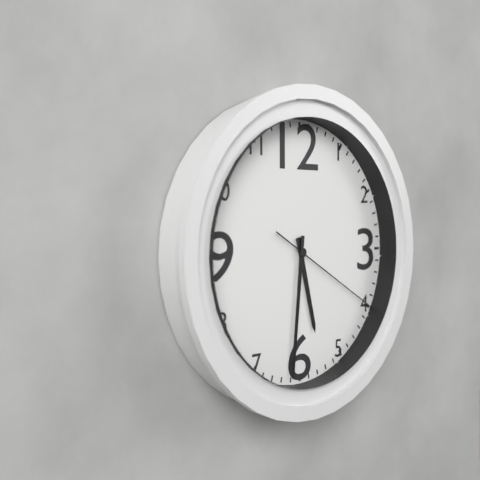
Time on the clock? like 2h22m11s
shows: 5h31m20s
